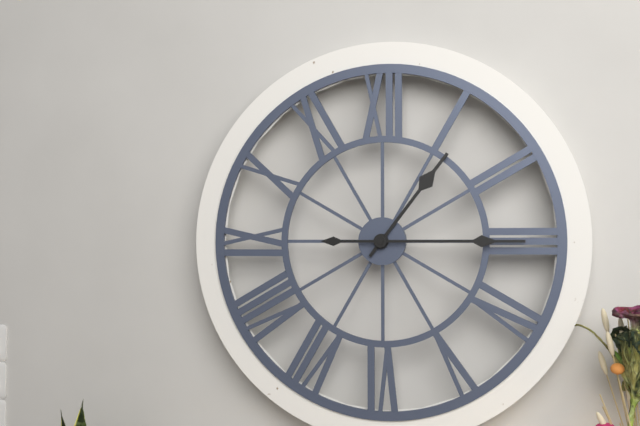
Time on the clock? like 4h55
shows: 1h15
